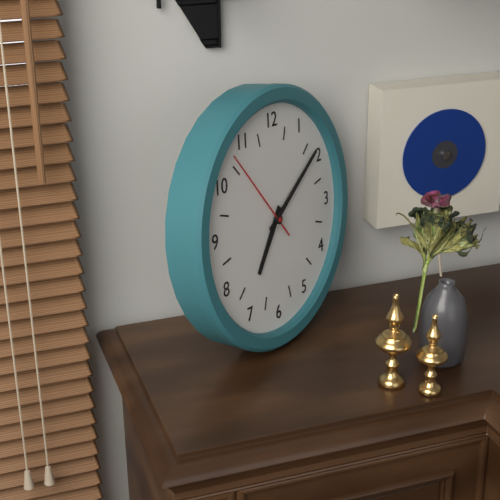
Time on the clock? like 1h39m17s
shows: 7h09m53s
